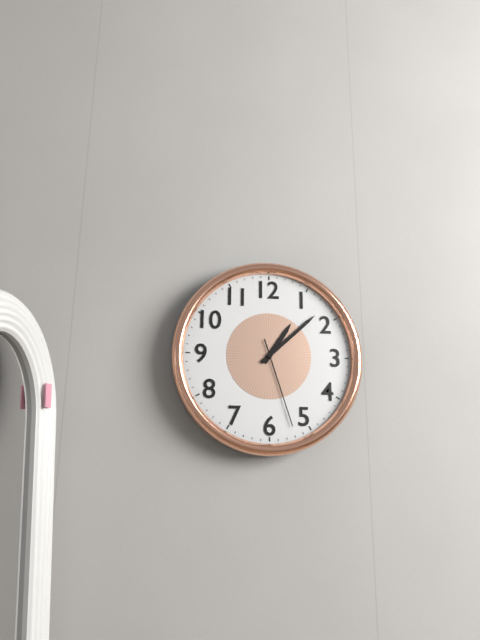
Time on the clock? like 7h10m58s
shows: 1h08m27s
